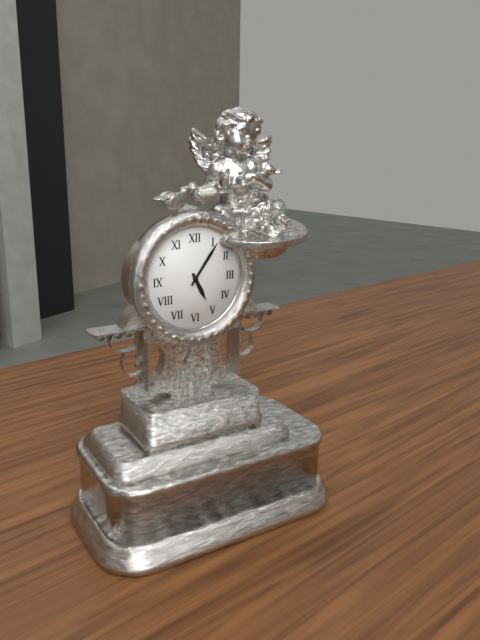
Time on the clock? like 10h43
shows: 5h06
